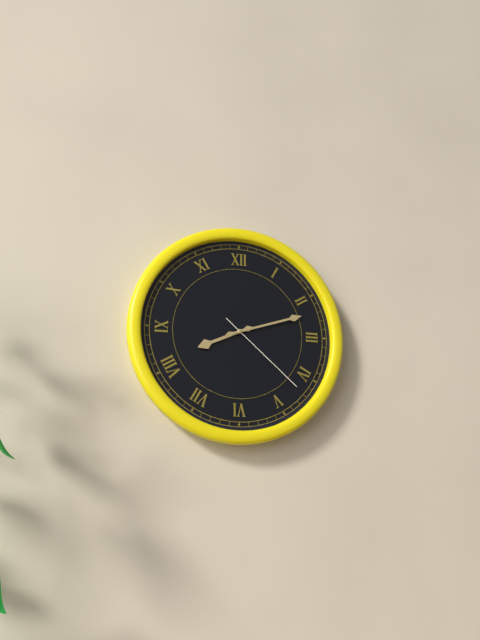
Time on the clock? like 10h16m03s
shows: 8h12m22s
